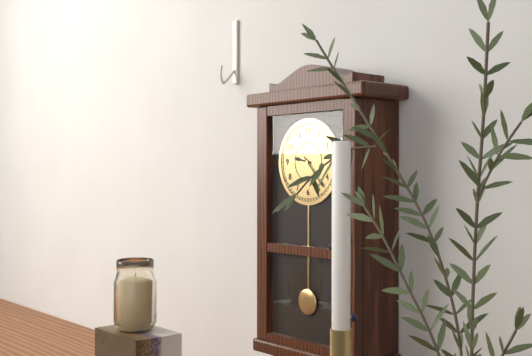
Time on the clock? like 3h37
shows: 9h23
